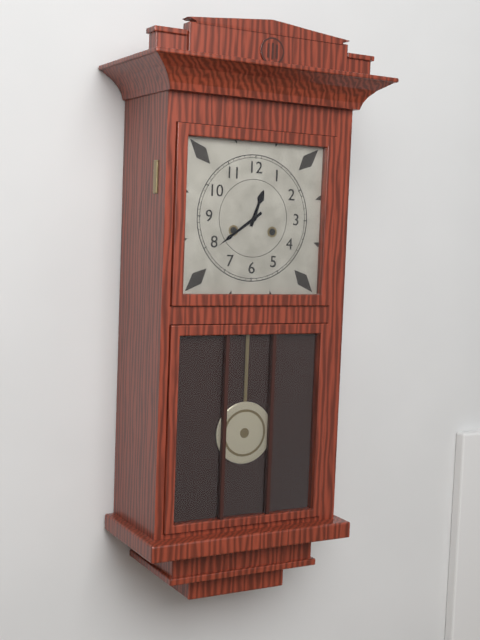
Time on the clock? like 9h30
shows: 12h39
